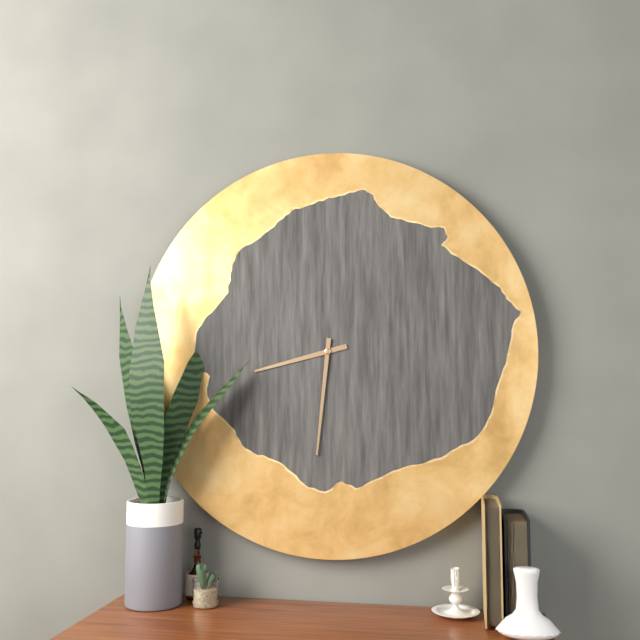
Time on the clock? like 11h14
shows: 8h31
